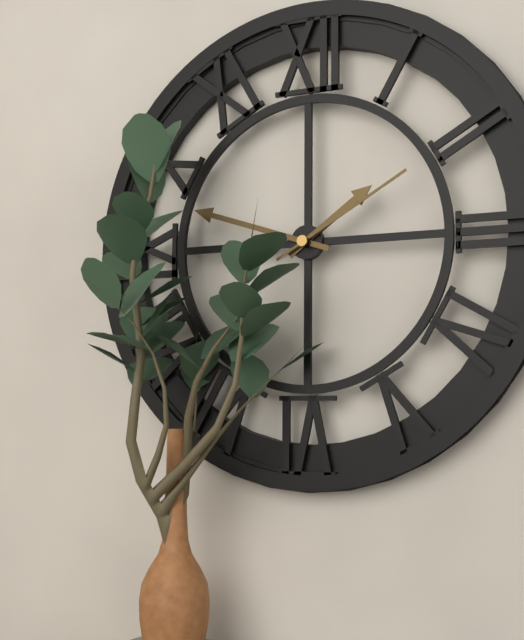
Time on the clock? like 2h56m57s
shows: 1h48m10s
